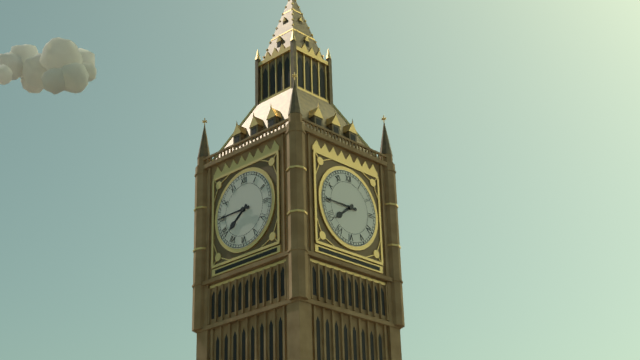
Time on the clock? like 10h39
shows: 7h45
